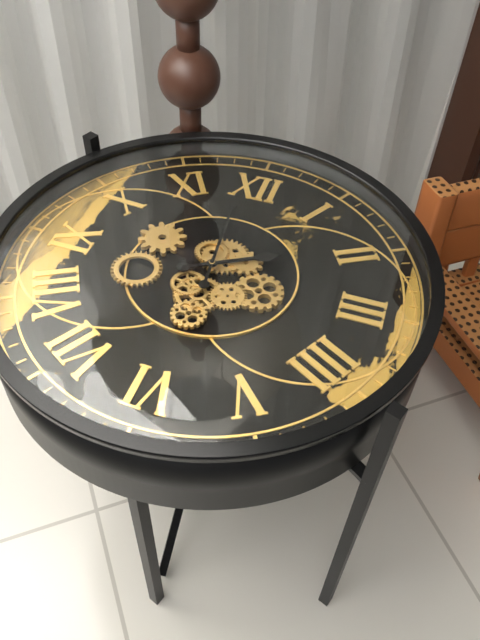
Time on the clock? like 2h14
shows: 1h59
